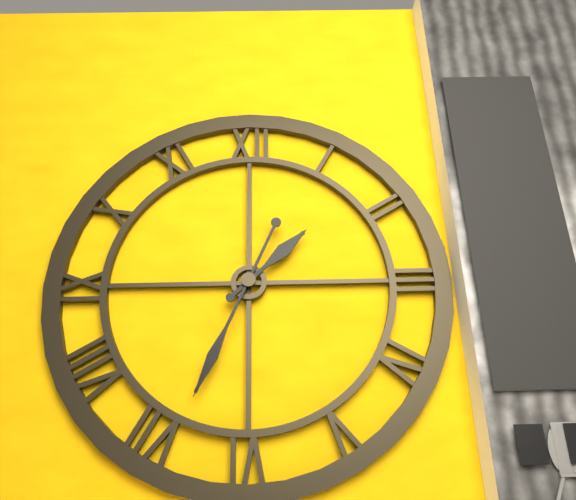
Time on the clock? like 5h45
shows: 1h34
